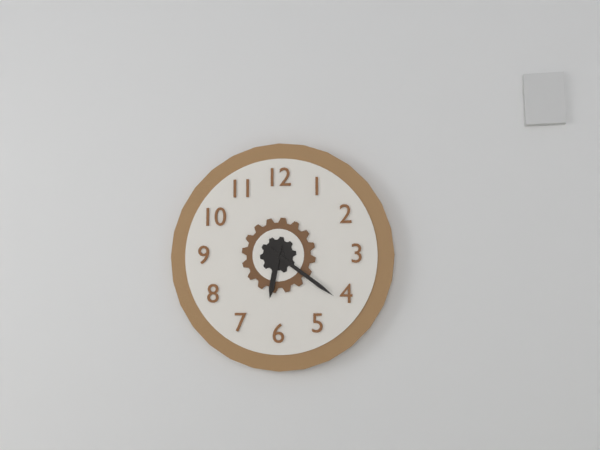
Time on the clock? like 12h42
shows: 6h21
